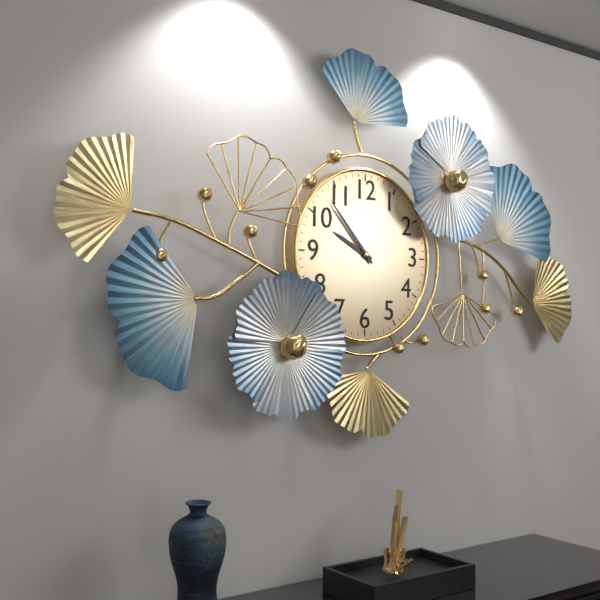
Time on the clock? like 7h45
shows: 9h53
